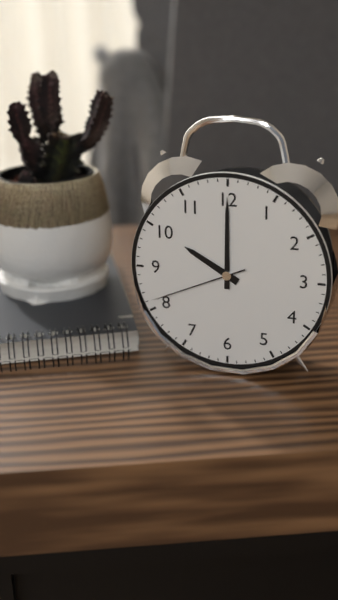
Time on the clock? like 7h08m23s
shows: 10h00m41s
